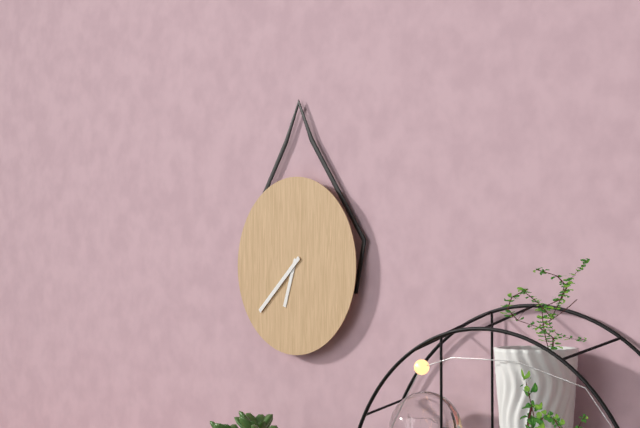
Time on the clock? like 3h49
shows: 6h38
